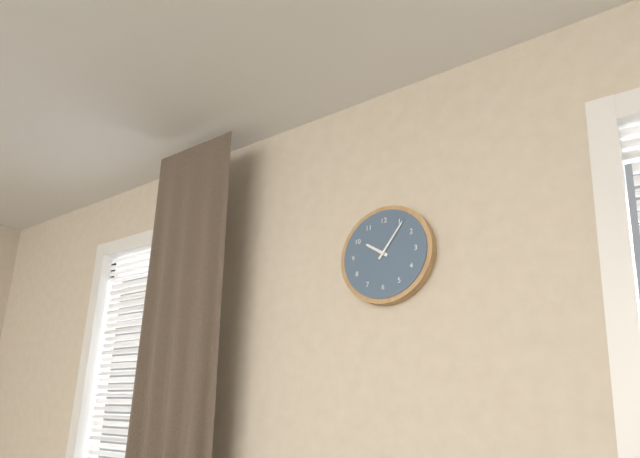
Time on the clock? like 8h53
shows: 10h06
